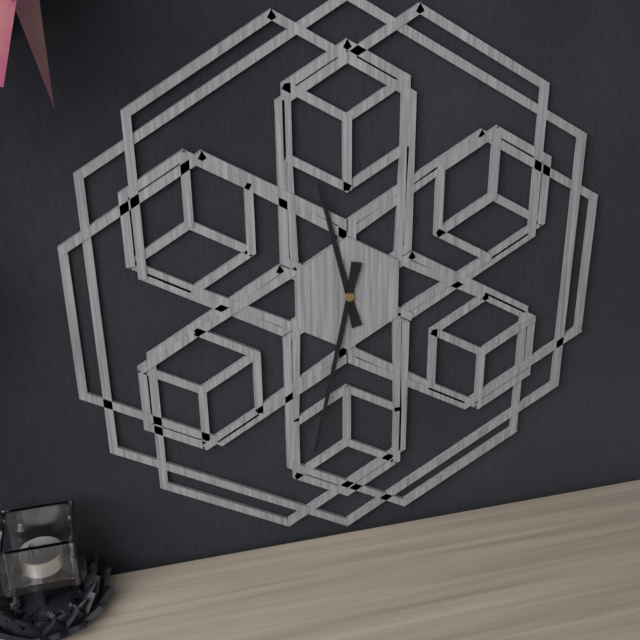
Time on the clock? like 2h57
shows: 11h32
